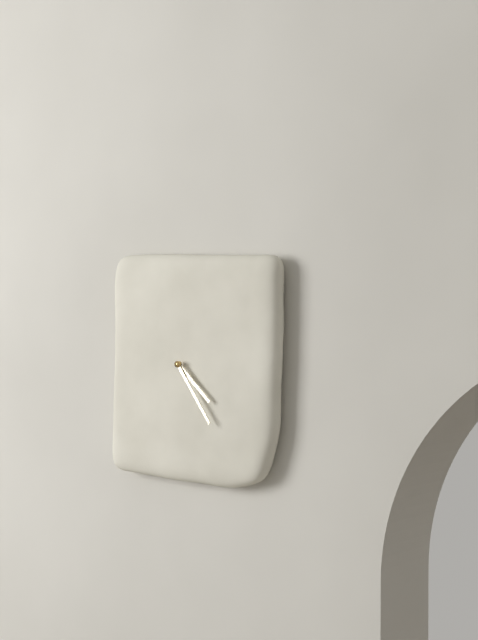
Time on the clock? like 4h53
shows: 4h24
